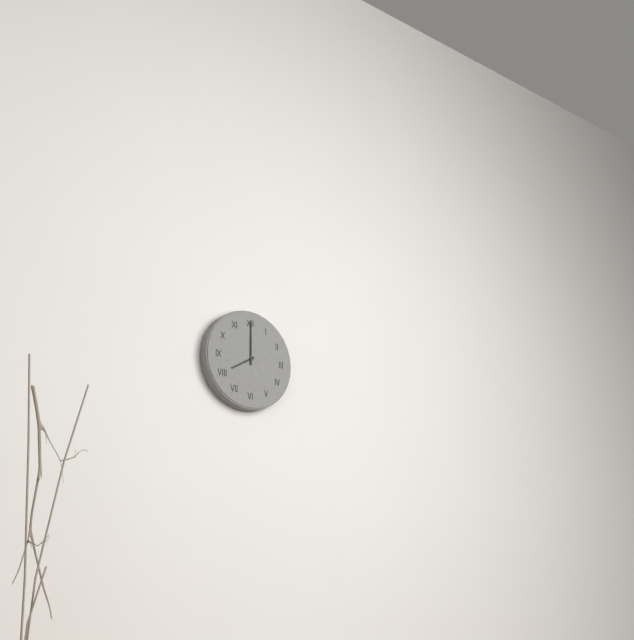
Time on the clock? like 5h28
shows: 8h00
